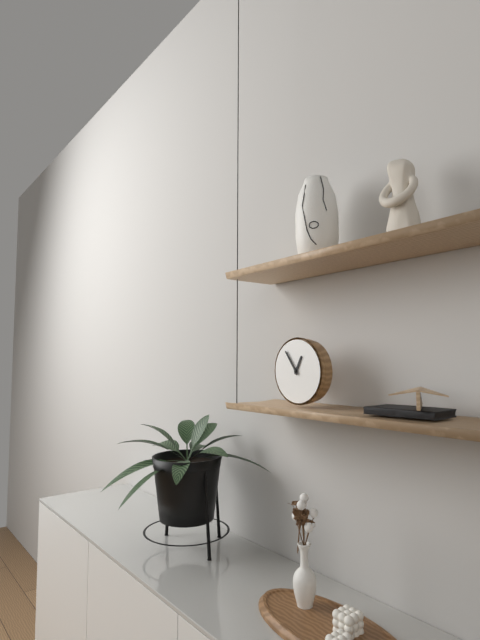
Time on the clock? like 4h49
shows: 12h54
